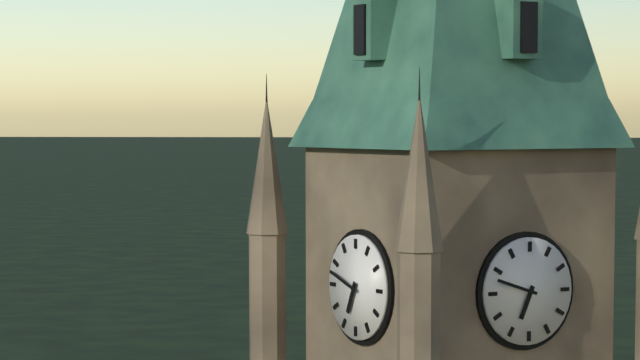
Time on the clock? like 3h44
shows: 6h48
